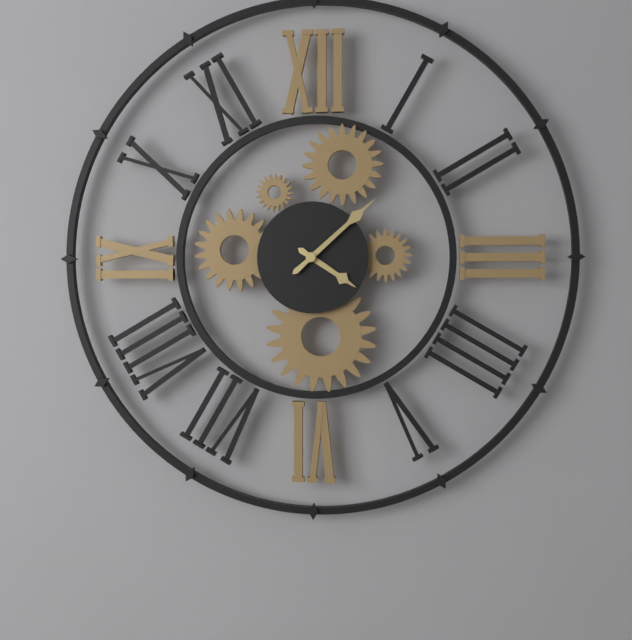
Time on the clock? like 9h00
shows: 4h08
